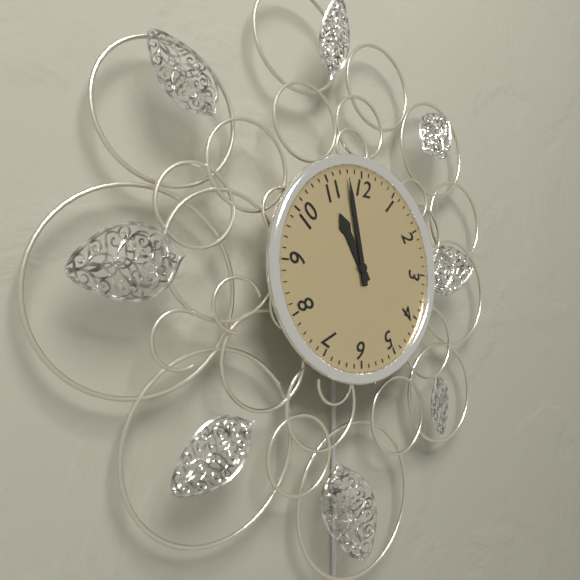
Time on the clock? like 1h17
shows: 10h58
